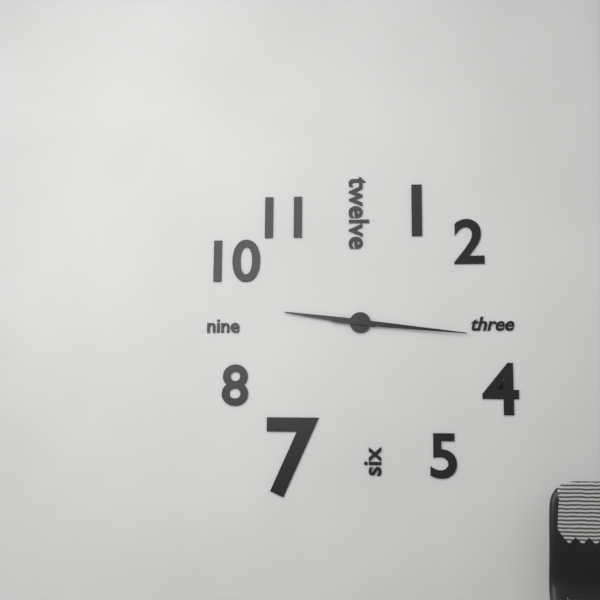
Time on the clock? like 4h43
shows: 9h16
